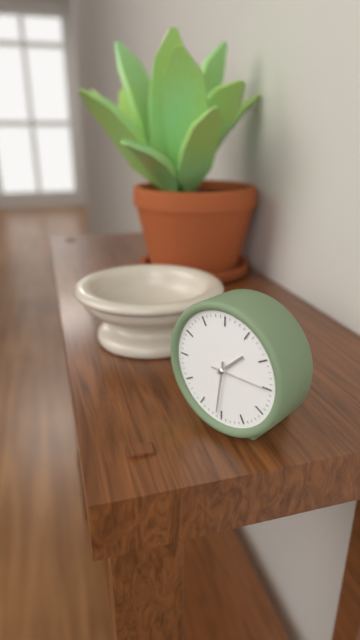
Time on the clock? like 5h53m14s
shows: 1h31m15s
